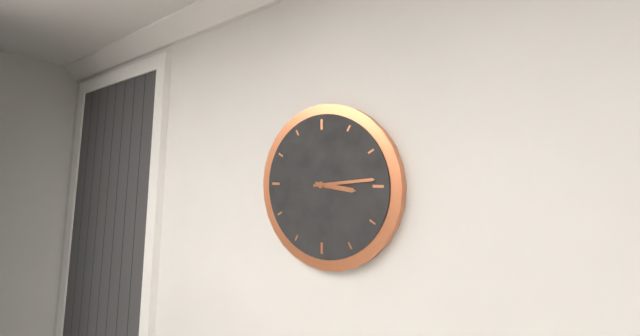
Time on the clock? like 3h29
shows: 3h14
